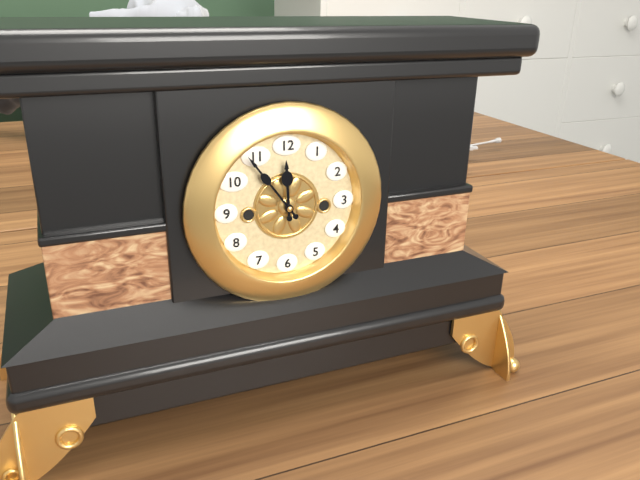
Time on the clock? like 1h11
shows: 11h54
